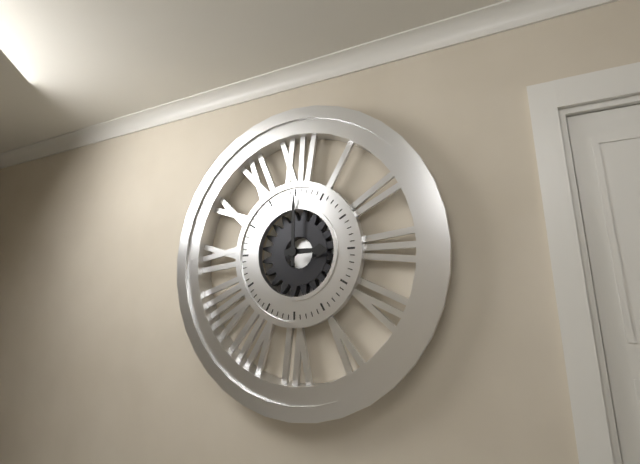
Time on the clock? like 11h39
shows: 3h00
